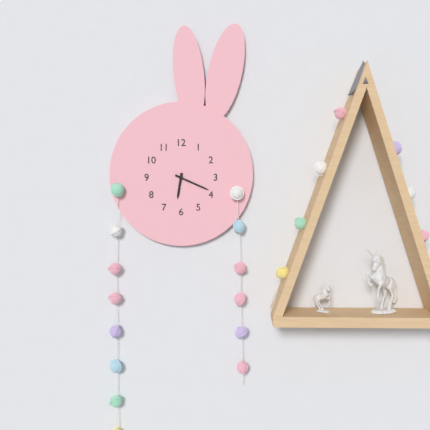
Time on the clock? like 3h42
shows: 6h19
